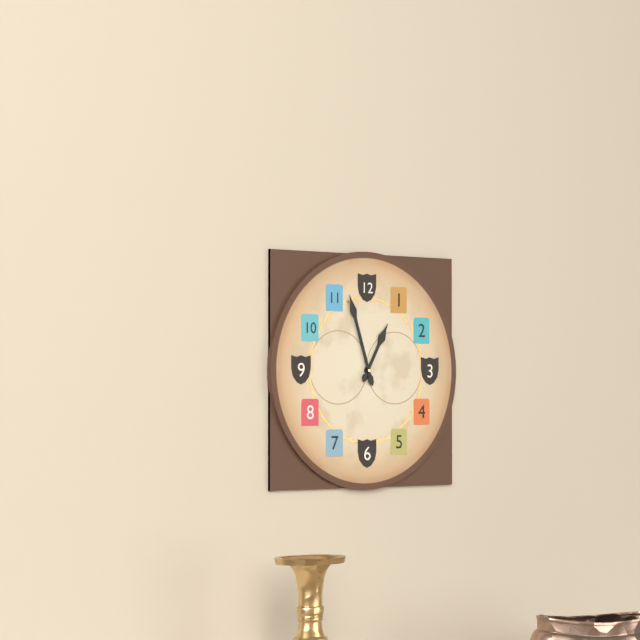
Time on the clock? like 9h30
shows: 12h57
